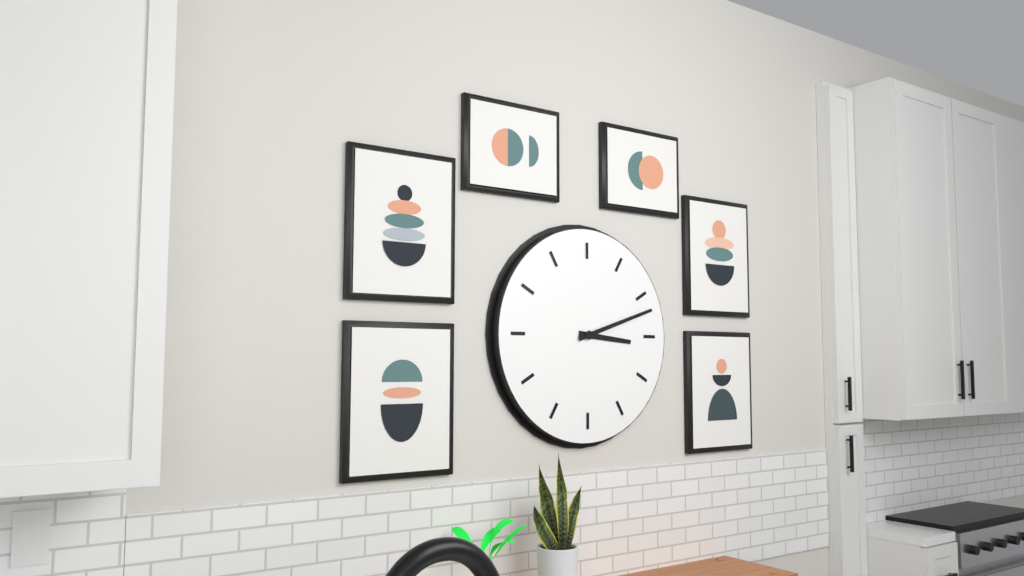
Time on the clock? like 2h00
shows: 3h12
